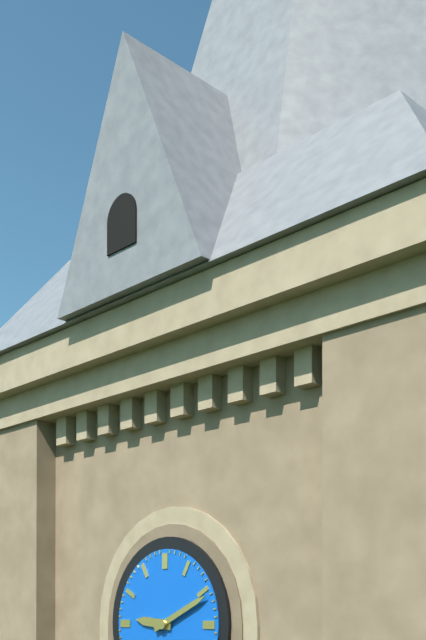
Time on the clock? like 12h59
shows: 9h11
